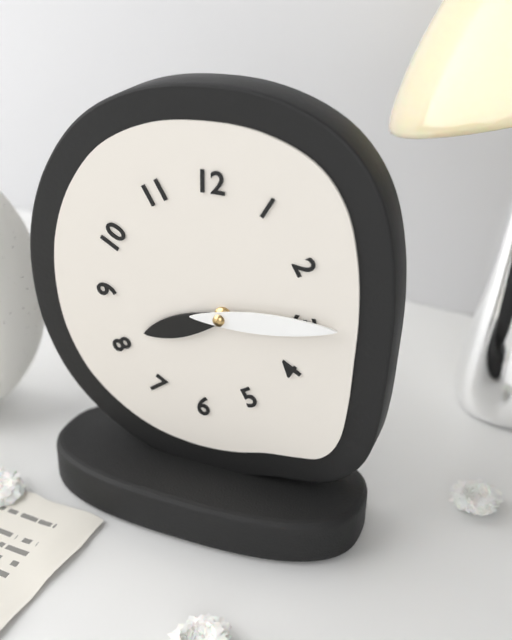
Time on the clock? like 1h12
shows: 8h14
